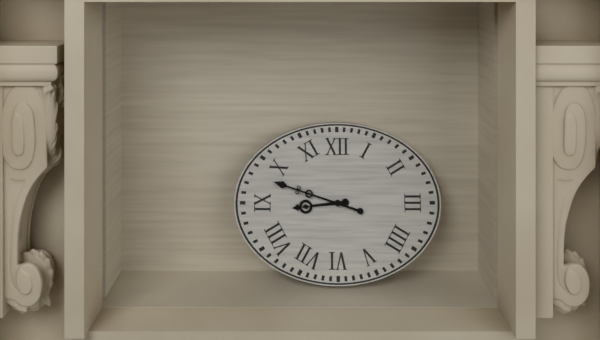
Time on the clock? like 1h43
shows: 8h48
